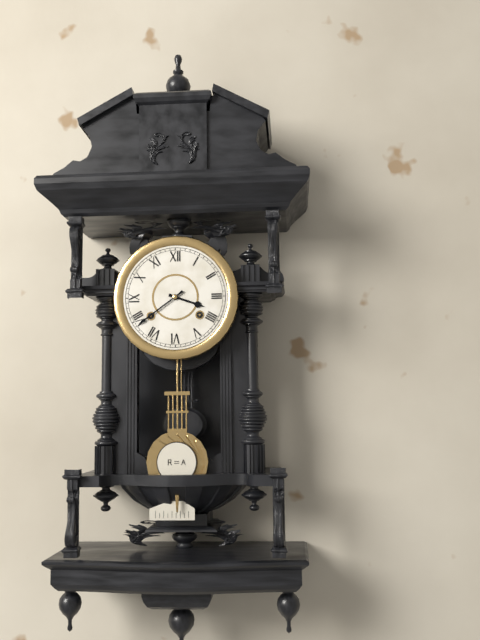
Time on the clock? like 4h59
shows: 3h39
